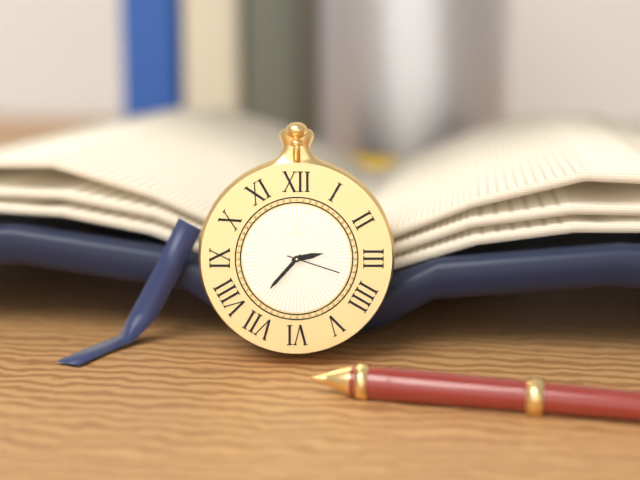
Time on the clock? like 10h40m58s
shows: 2h37m18s
